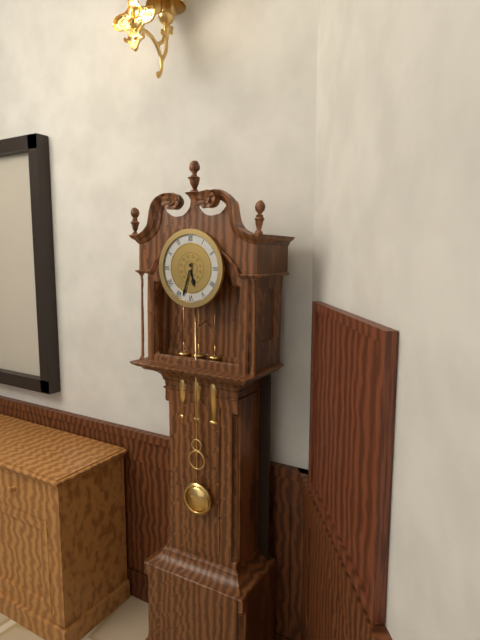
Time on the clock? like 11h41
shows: 5h33
